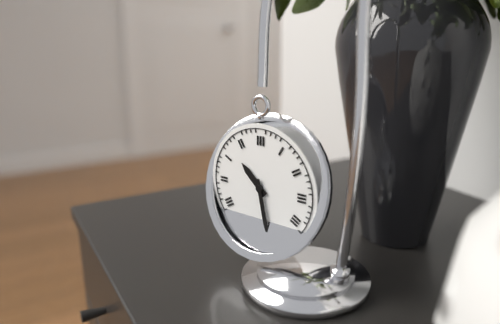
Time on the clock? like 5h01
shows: 10h28
